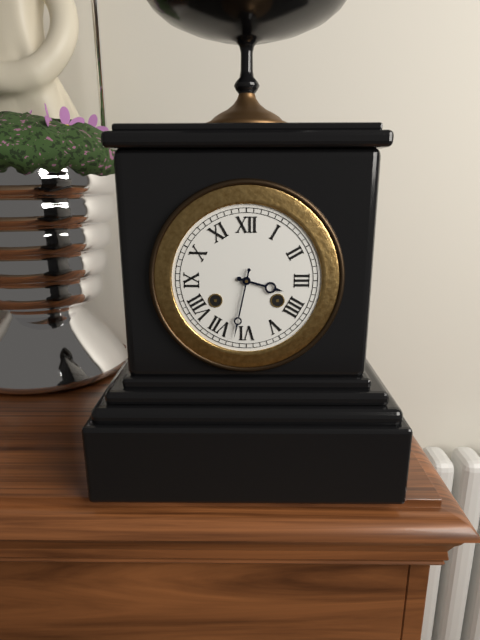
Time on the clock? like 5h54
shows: 3h32
